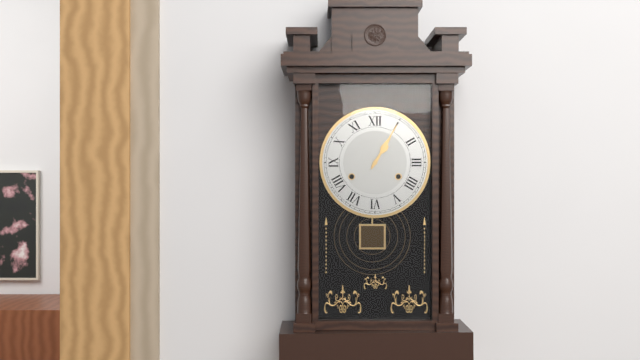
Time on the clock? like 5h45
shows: 1h05
